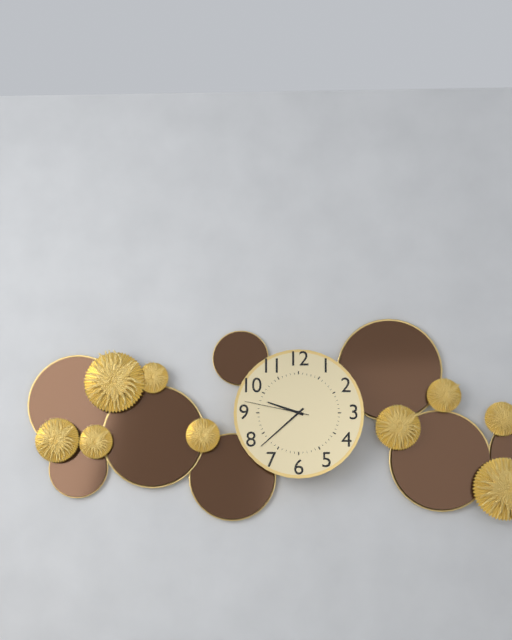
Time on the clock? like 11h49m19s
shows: 9h38m47s
